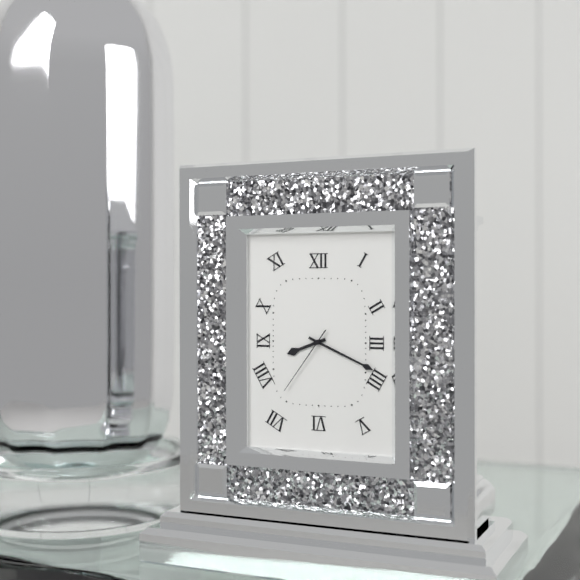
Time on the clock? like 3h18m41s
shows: 8h19m36s
